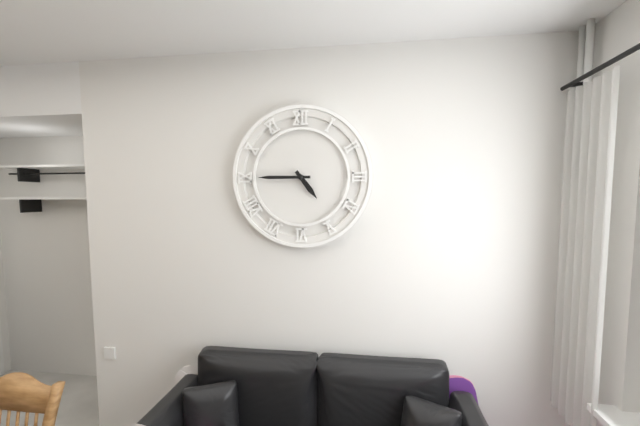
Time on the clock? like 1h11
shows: 4h45
